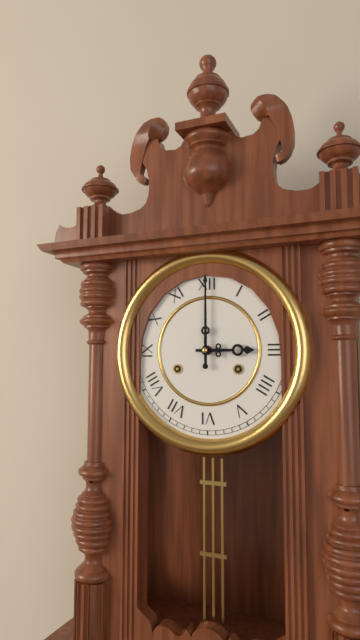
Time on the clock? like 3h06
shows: 3h00
